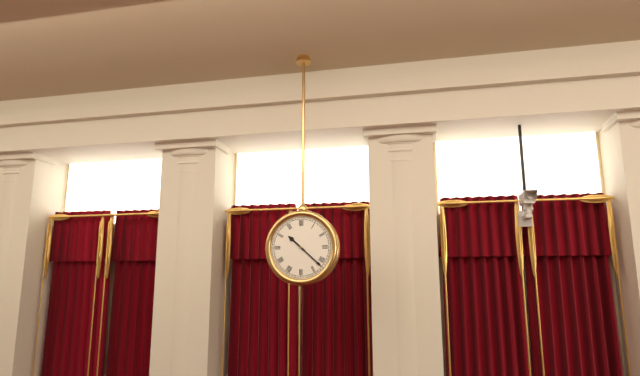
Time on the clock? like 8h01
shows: 10h22
